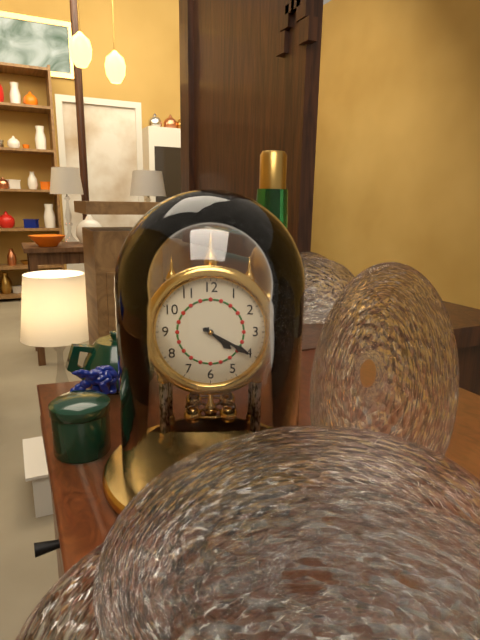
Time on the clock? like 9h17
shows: 4h20
